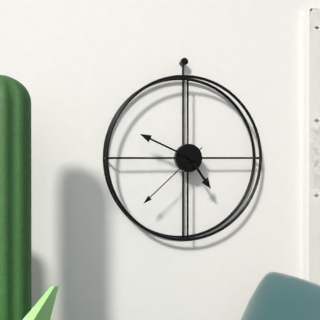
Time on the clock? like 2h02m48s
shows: 4h49m38s
